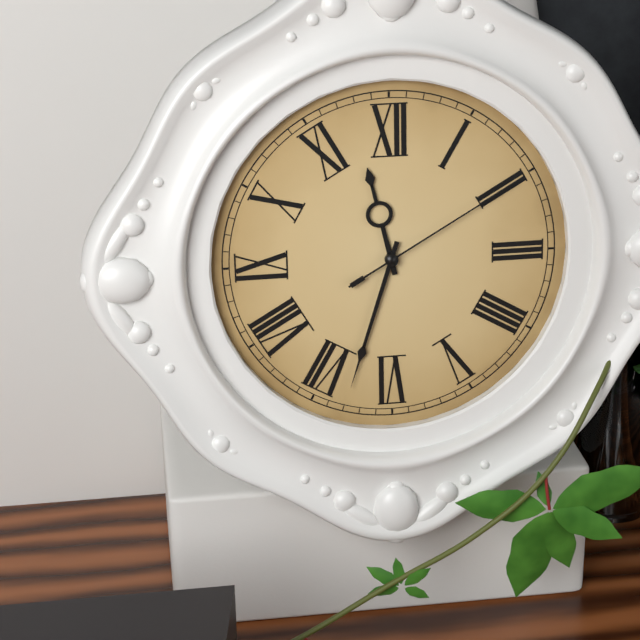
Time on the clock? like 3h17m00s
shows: 11h33m10s
